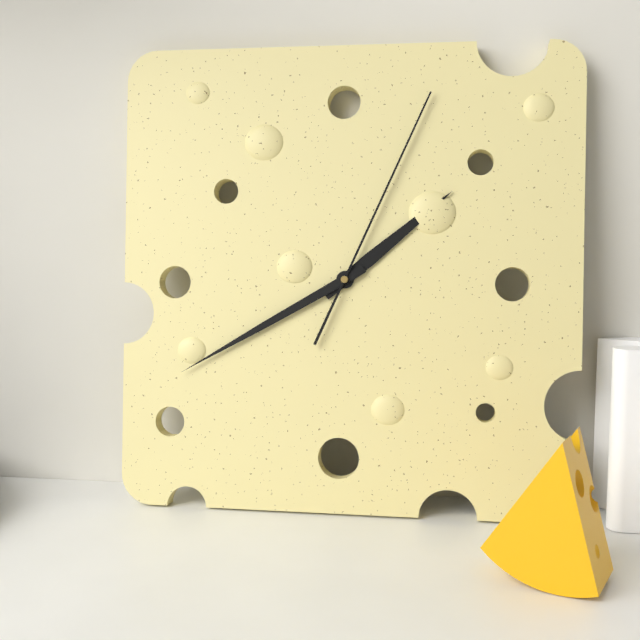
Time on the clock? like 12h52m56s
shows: 1h40m04s
